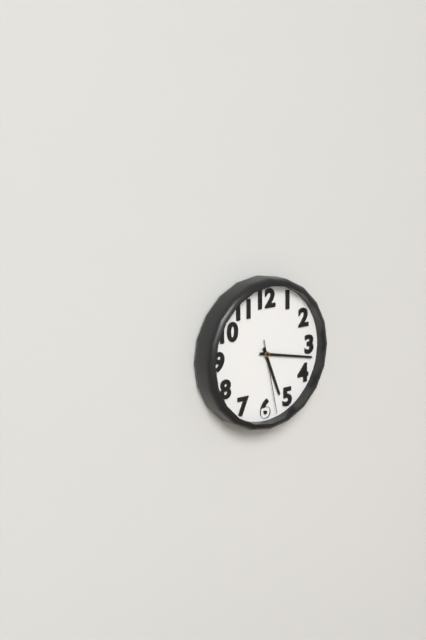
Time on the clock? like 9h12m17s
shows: 5h17m28s
